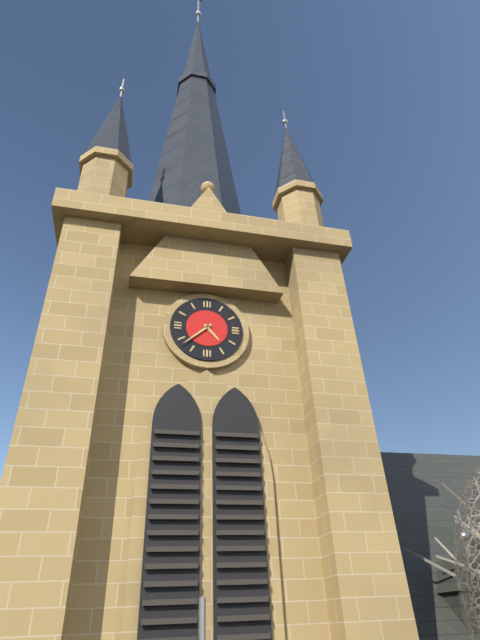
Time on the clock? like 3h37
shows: 4h38
